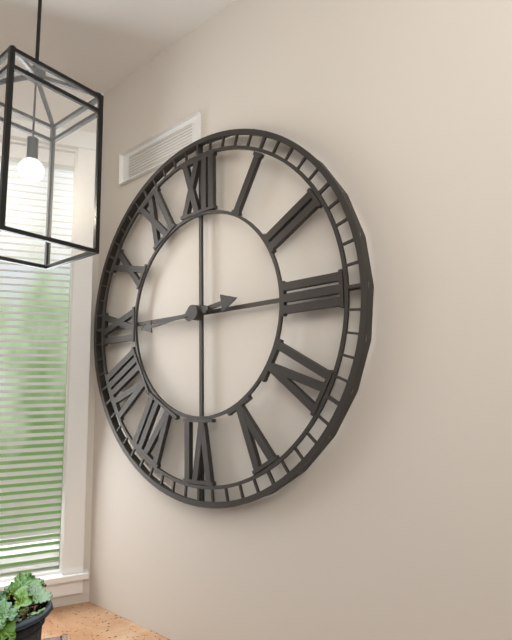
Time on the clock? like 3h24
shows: 2h44
